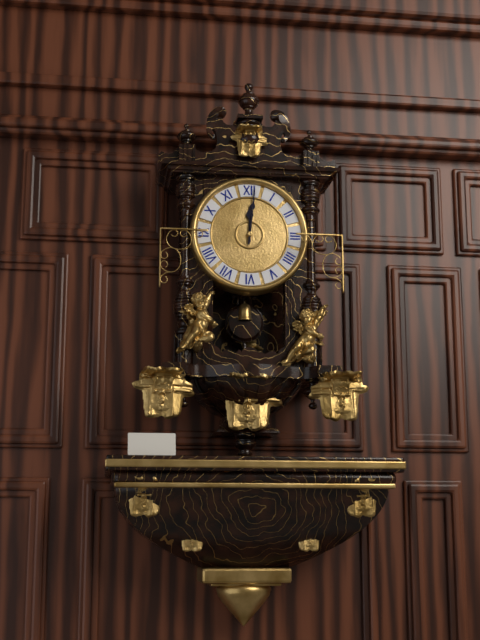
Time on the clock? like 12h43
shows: 12h01
